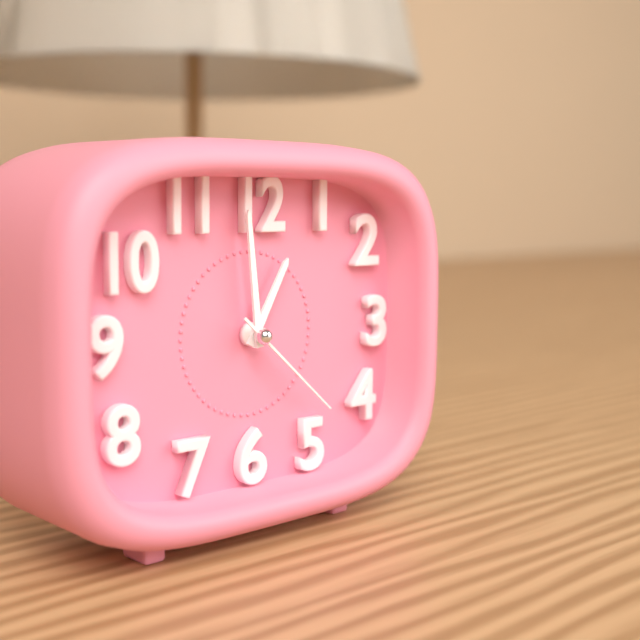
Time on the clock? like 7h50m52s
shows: 12h59m22s
